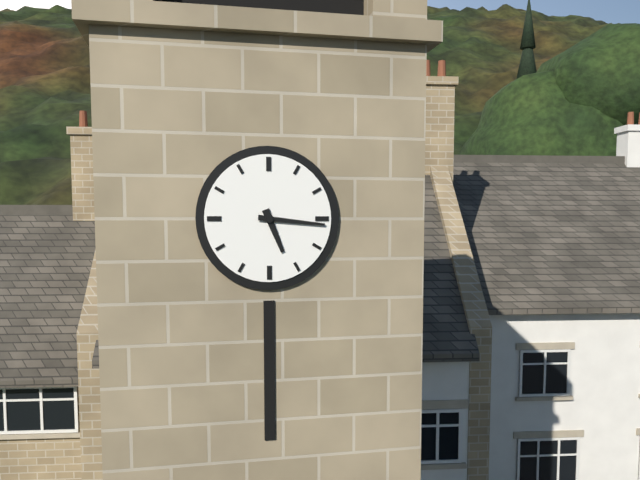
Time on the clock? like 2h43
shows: 5h16
